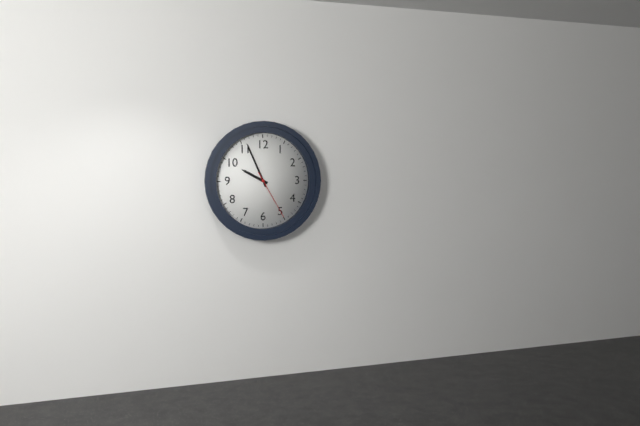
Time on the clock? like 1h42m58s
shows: 9h56m25s
